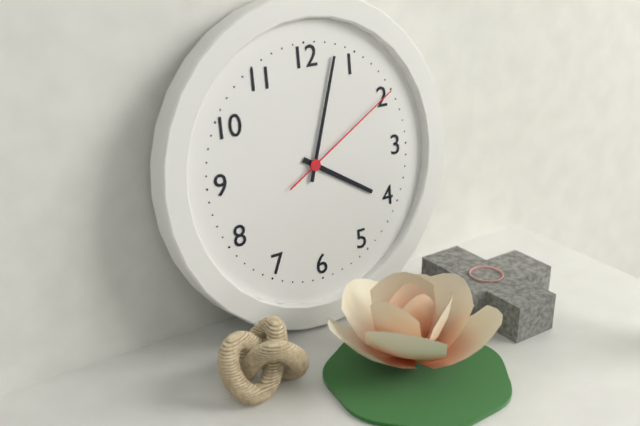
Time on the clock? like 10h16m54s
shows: 4h03m10s
